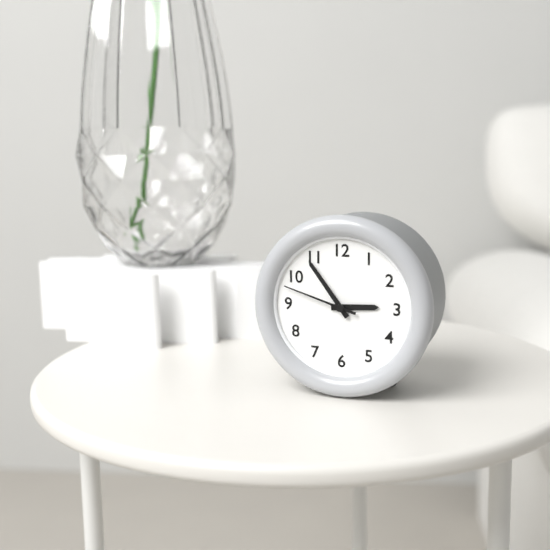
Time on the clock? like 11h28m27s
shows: 2h54m48s
